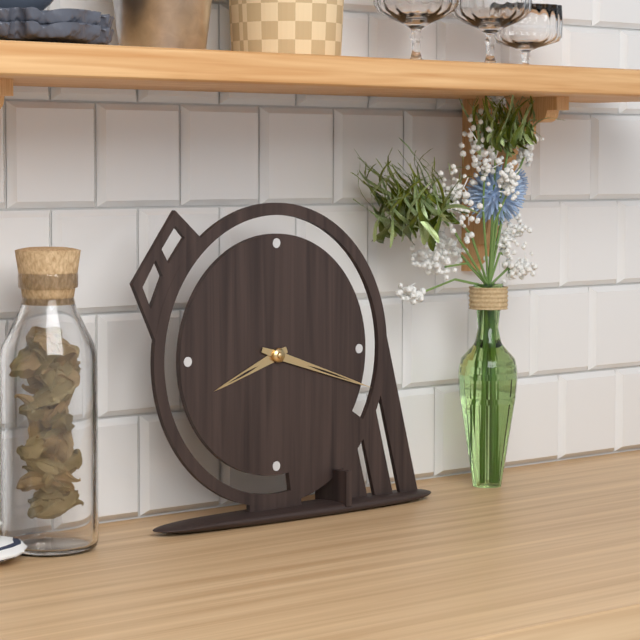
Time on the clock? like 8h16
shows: 8h18
